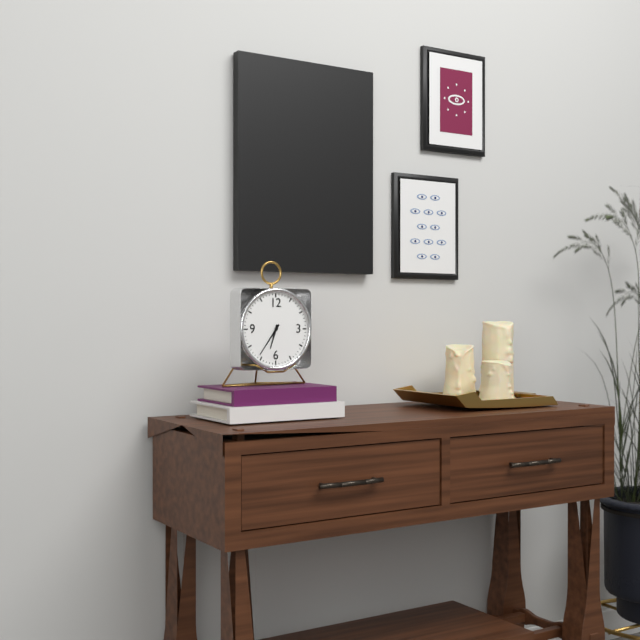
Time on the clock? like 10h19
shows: 6h36
